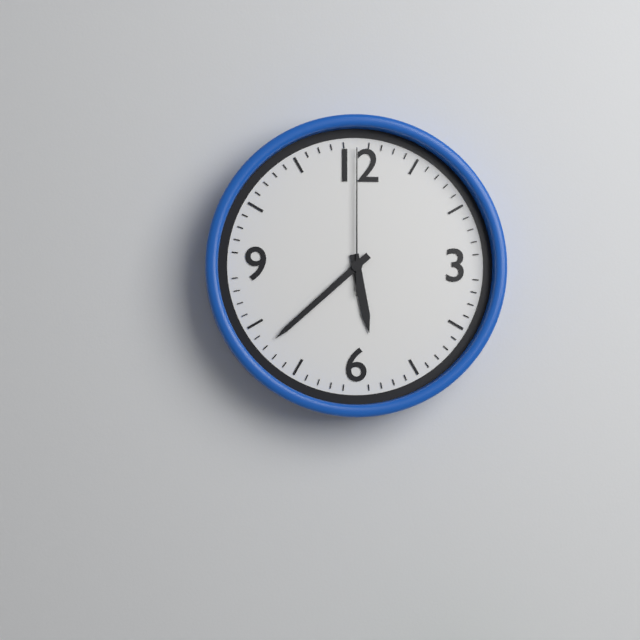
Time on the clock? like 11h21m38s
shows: 5h38m00s
